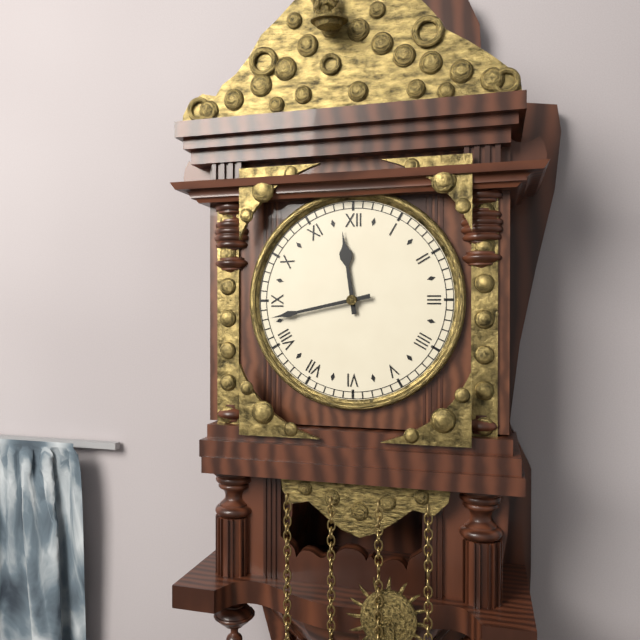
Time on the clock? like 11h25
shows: 11h43
